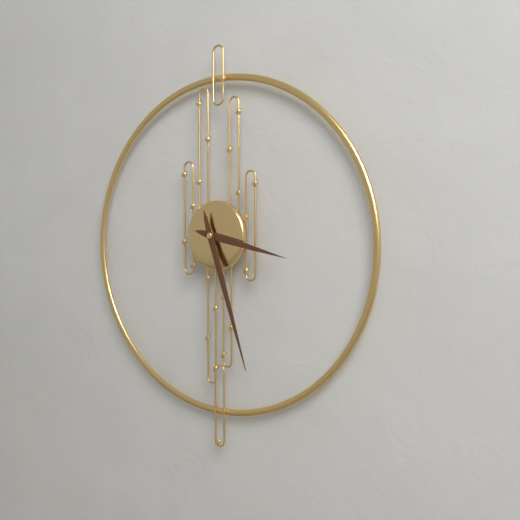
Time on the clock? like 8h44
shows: 3h27
